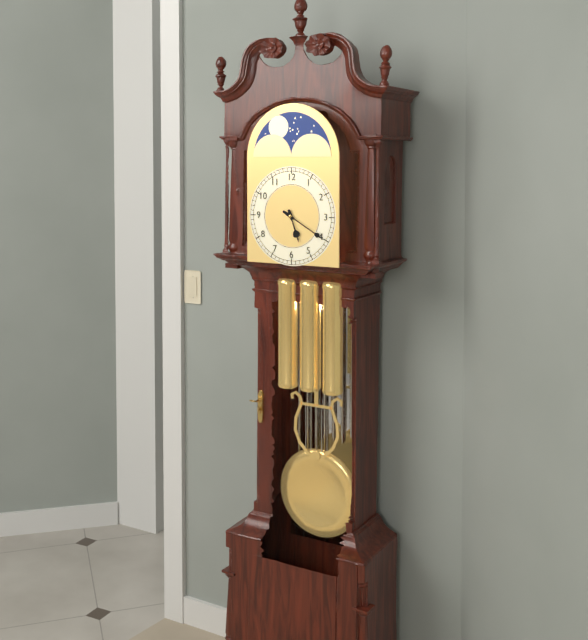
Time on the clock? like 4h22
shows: 5h20
